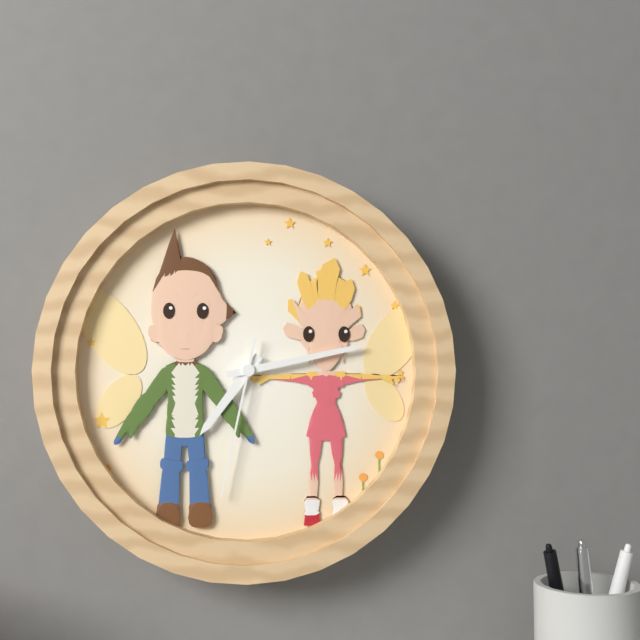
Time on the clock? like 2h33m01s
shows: 7h13m32s
